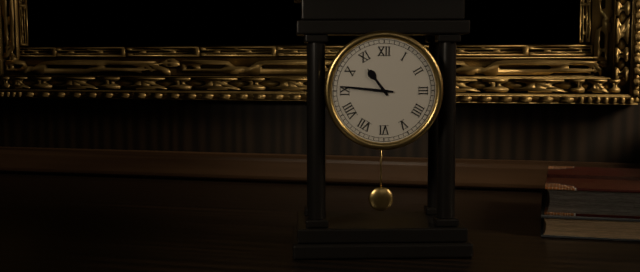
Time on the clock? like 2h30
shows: 10h46
